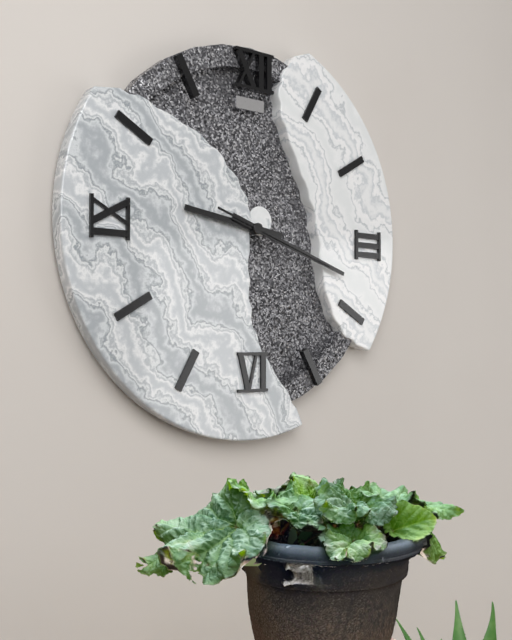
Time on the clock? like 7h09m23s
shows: 9h18m18s
